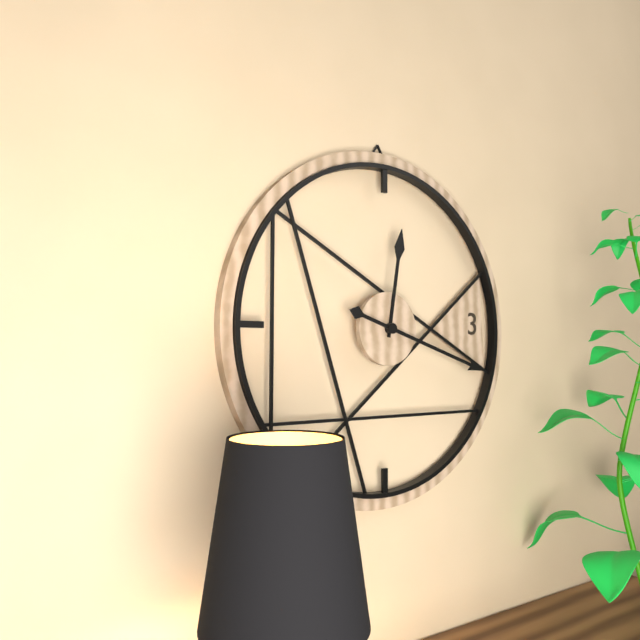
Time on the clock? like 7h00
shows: 12h18
